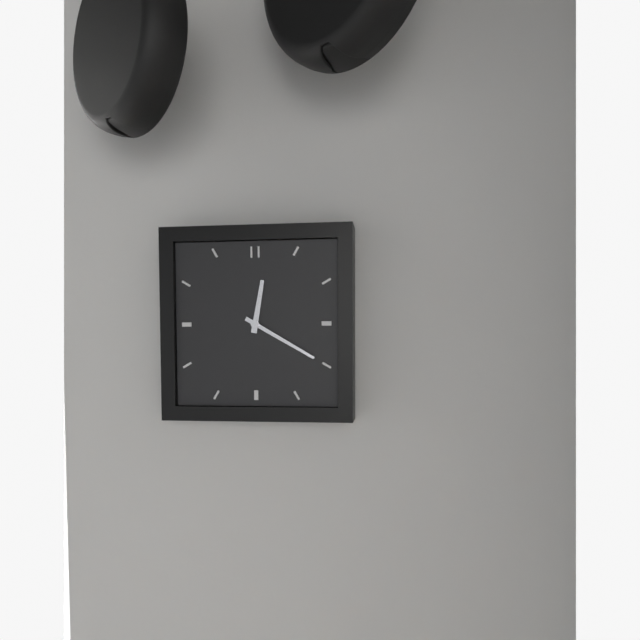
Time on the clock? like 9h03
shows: 12h20
